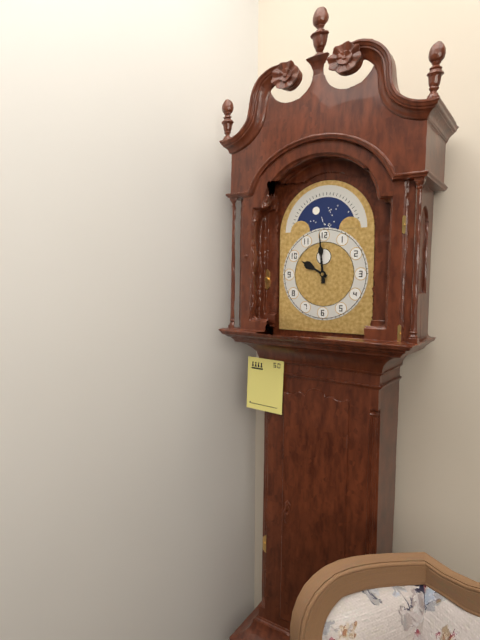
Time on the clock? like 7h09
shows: 9h59
